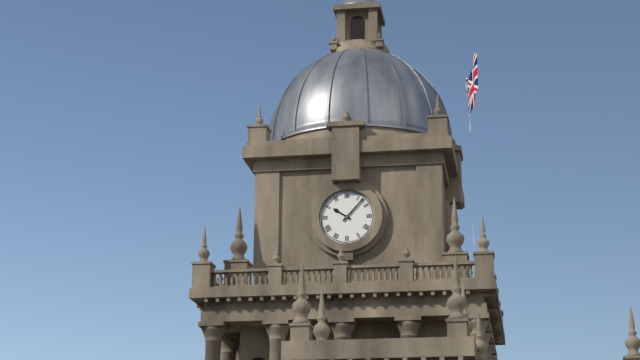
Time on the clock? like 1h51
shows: 10h07
